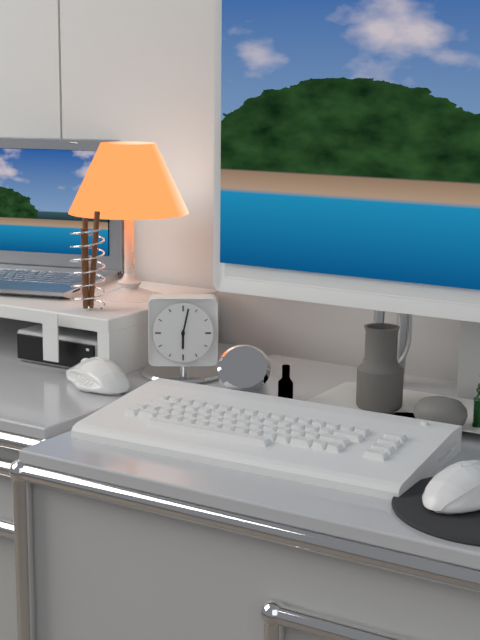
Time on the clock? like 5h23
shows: 6h02
